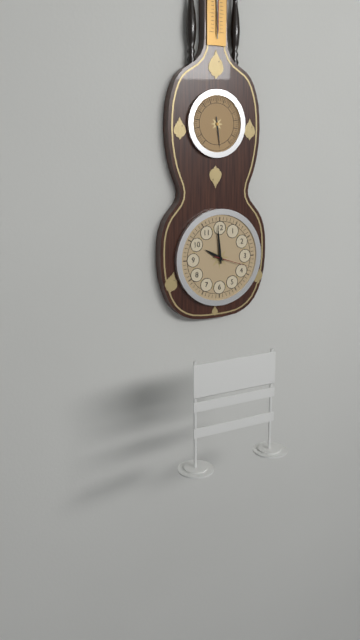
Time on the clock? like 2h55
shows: 9h59
